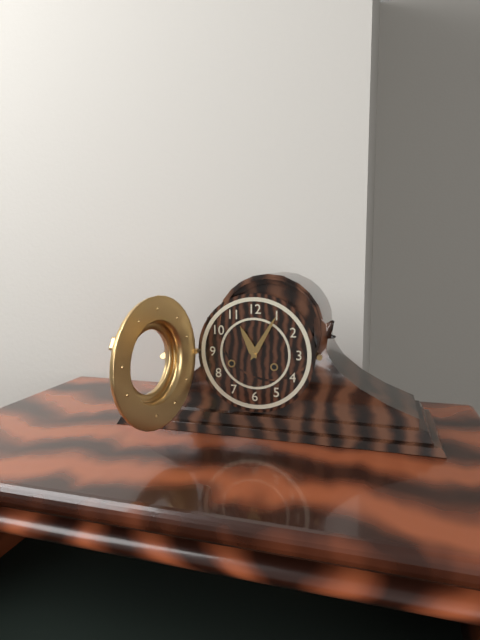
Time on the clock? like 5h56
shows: 11h05
